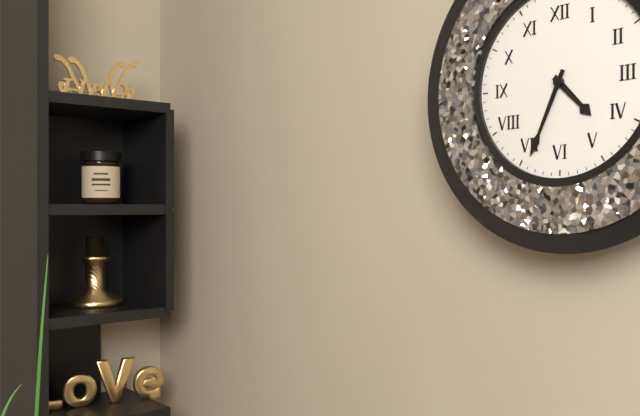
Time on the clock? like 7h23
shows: 4h34
